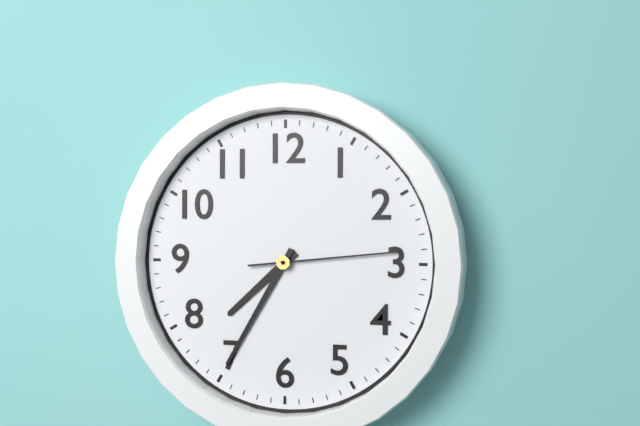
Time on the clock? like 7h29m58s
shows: 7h35m14s
